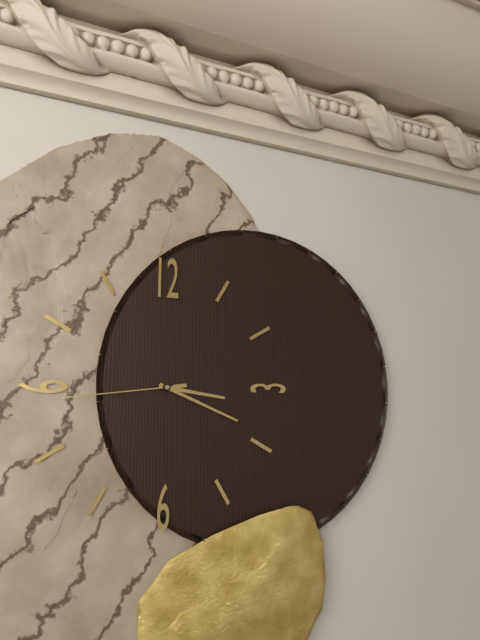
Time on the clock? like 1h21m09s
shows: 3h19m44s
